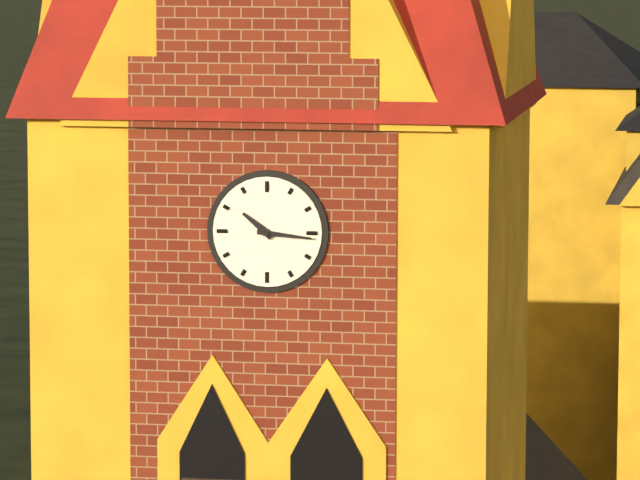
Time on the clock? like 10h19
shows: 10h16
